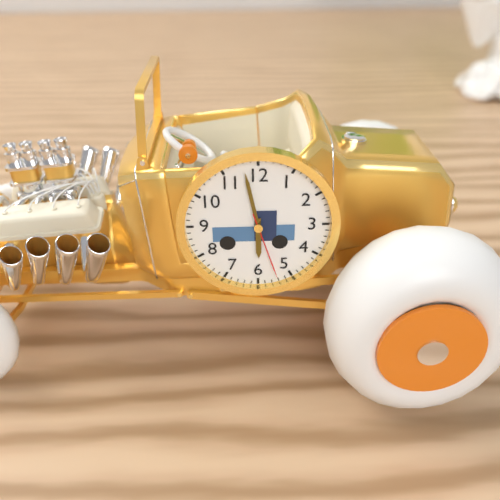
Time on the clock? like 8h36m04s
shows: 5h58m27s
